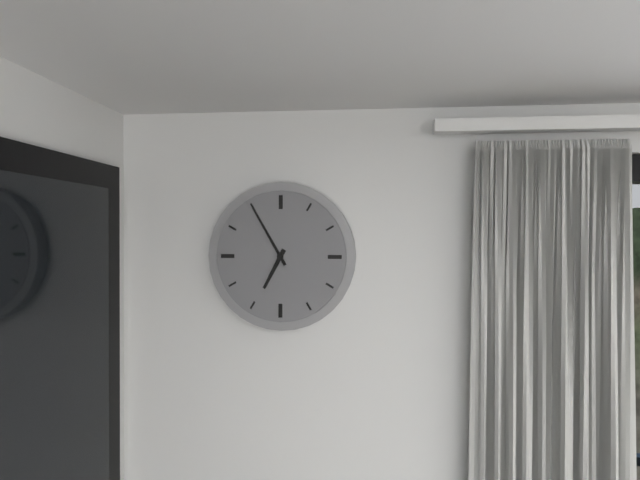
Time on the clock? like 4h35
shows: 6h55
